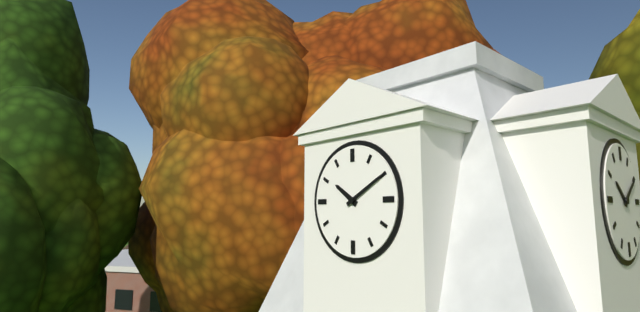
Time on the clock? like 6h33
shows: 10h10
